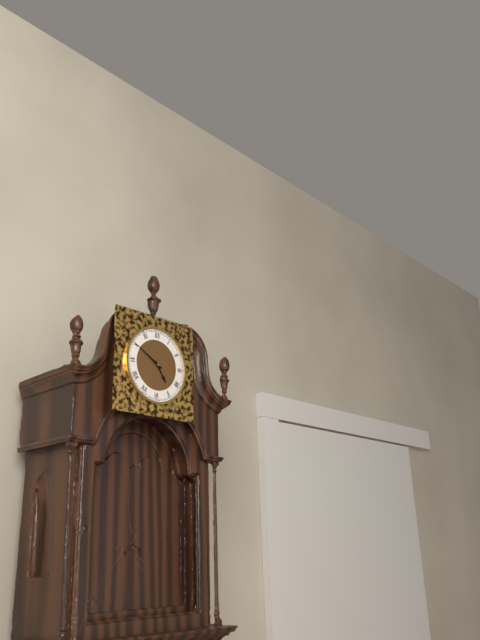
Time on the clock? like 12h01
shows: 4h50
